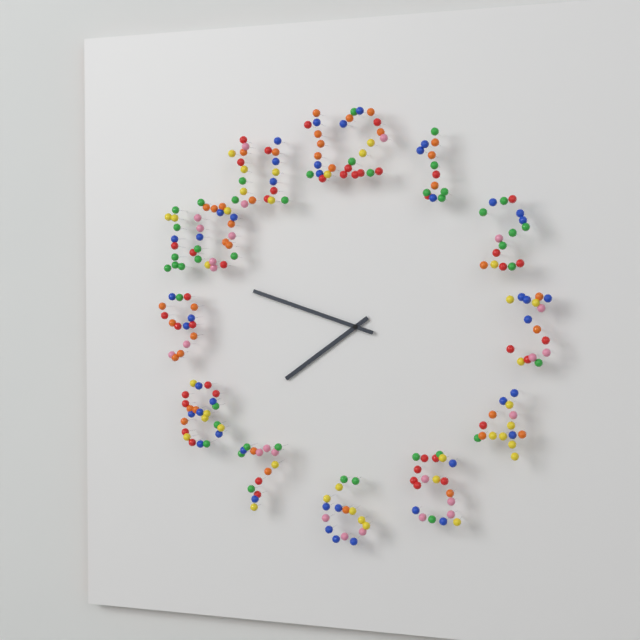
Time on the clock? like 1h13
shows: 7h48
